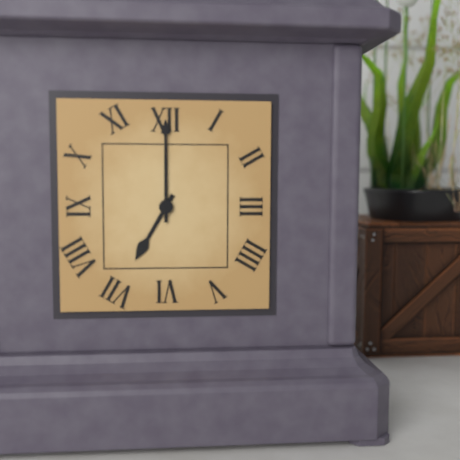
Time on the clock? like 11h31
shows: 7h00
